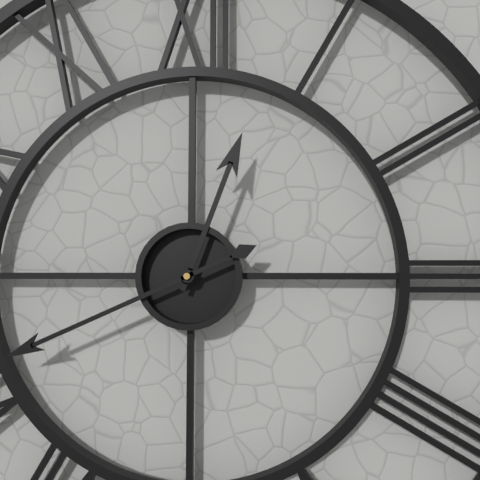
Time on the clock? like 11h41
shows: 12h41
